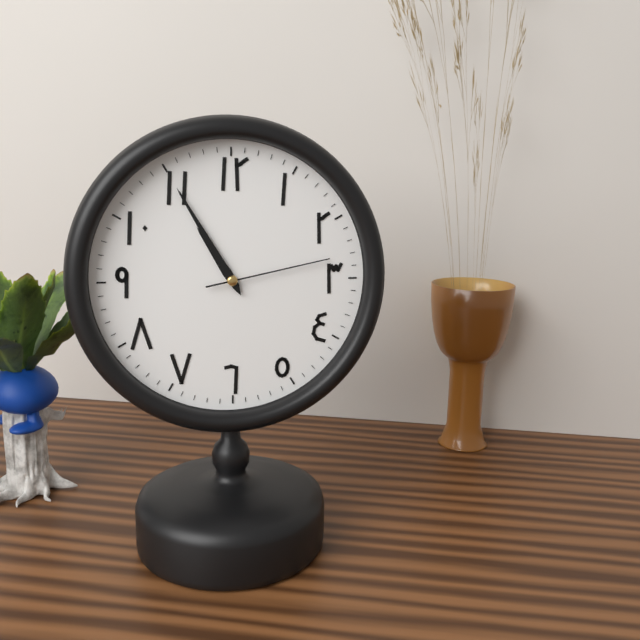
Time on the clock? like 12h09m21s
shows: 10h55m13s
